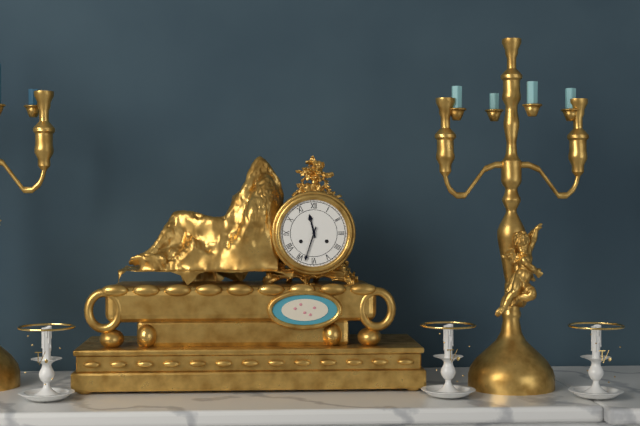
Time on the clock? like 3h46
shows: 11h33
